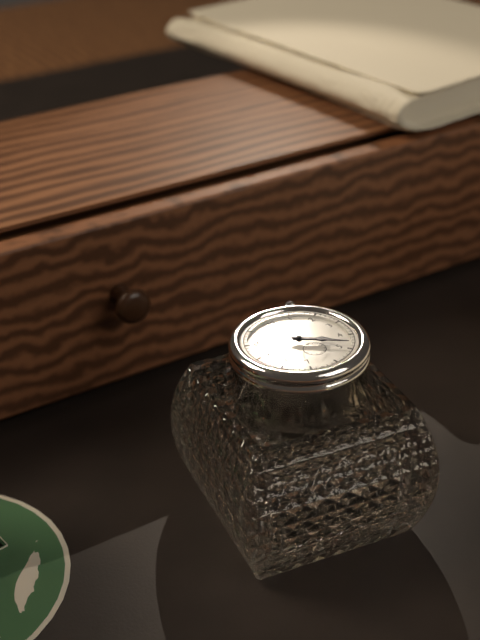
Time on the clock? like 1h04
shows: 4h23
